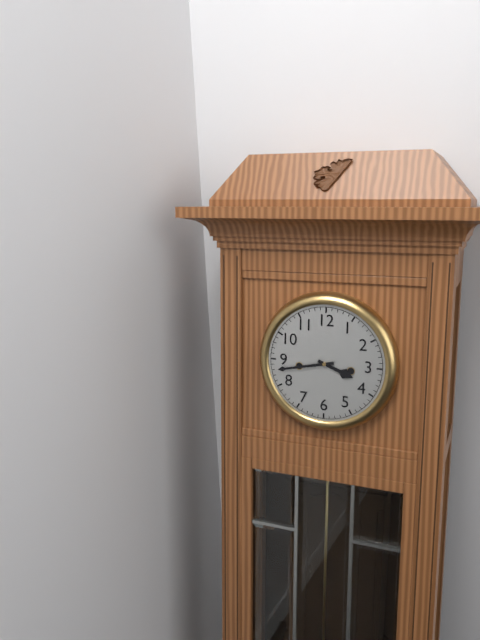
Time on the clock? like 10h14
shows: 3h43
